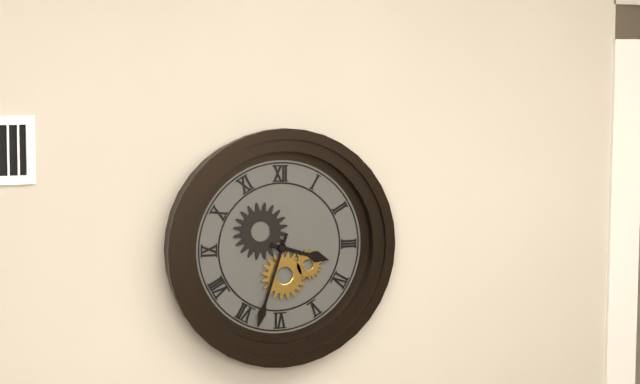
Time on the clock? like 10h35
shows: 3h33
